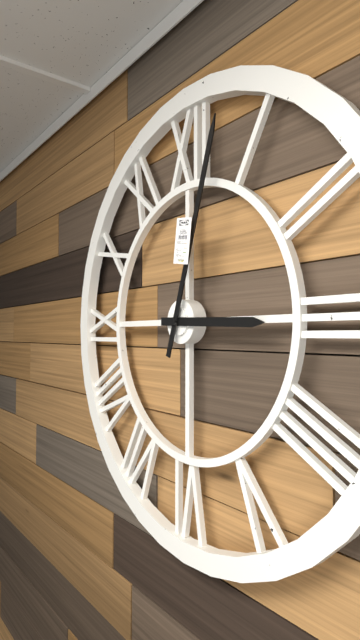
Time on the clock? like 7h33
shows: 3h03
